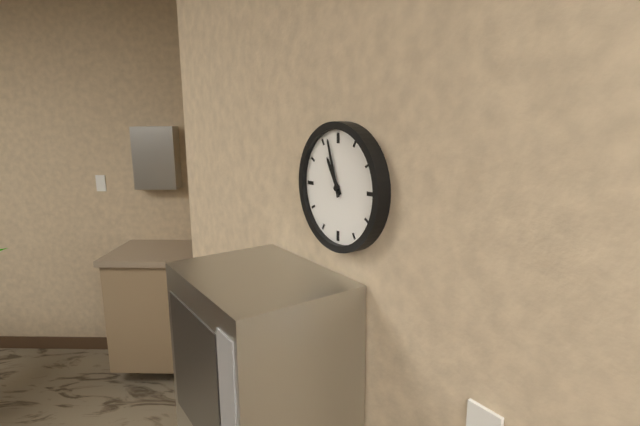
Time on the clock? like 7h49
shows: 10h57
